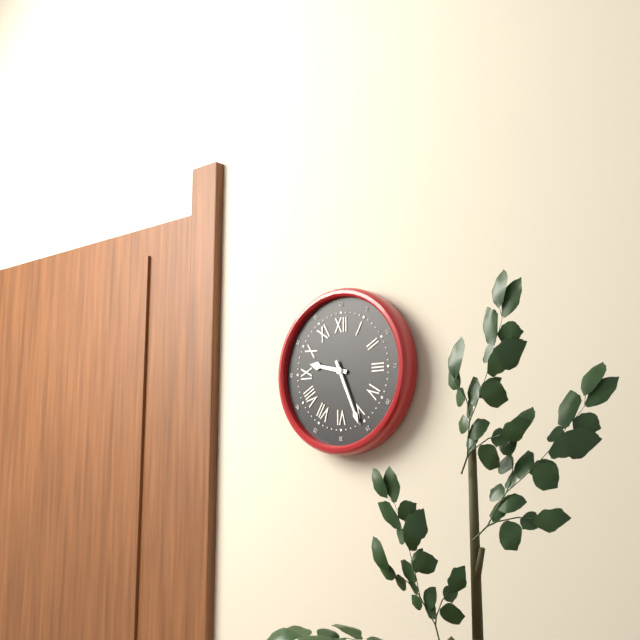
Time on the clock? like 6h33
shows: 9h26
